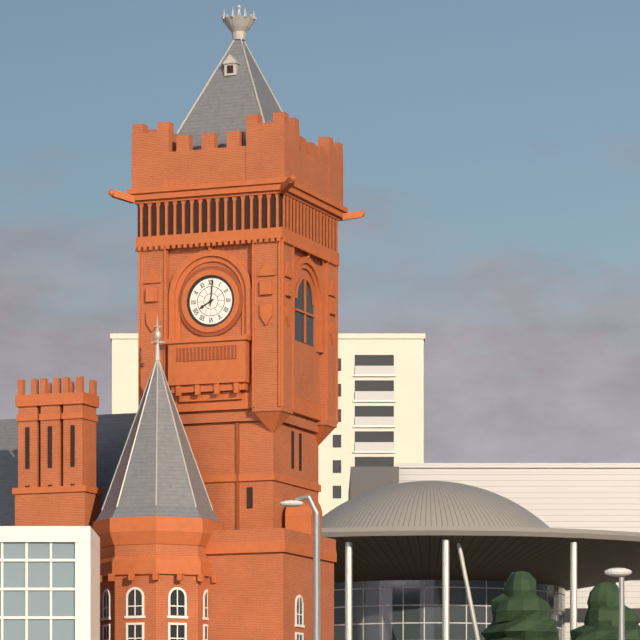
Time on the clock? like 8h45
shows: 8h01
